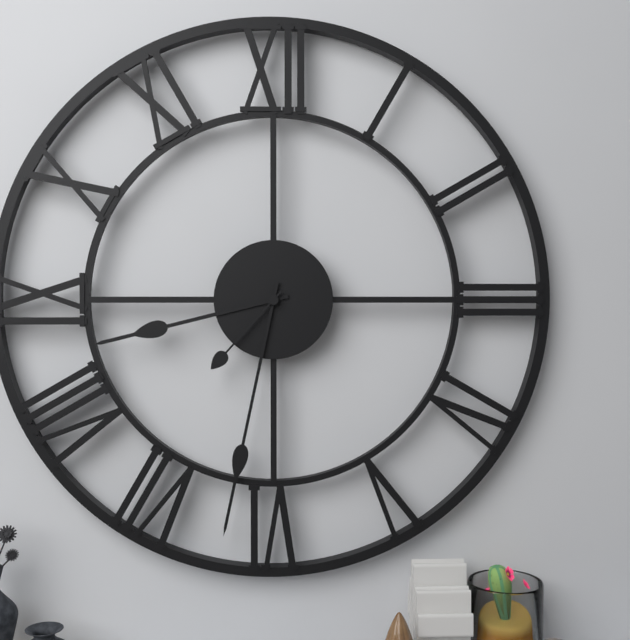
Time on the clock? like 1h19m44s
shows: 8h32m37s
